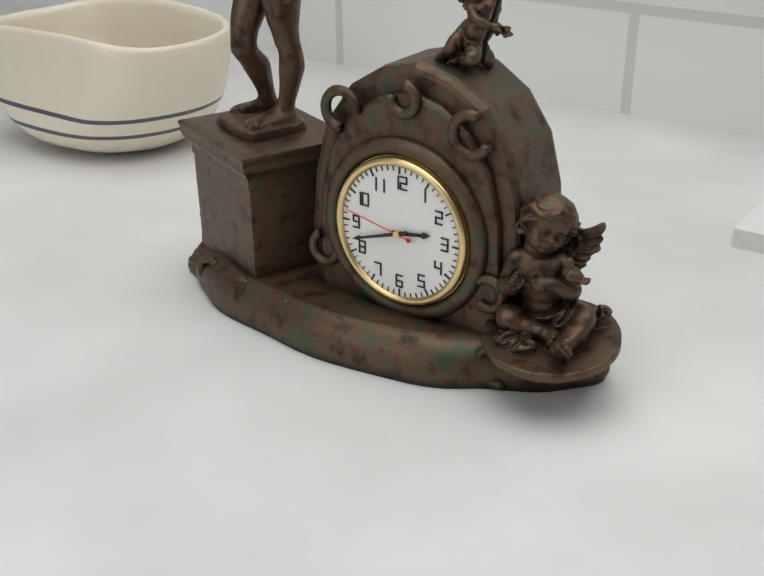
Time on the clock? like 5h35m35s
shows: 2h42m47s
